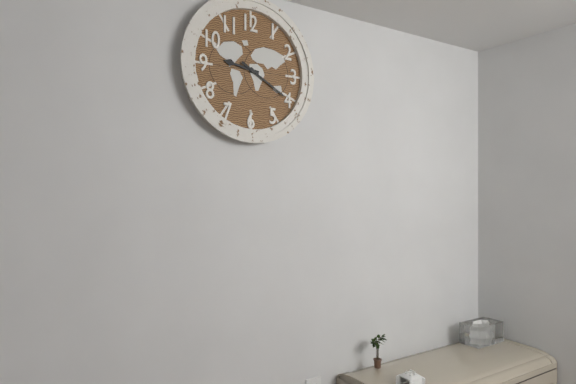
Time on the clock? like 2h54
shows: 9h20
